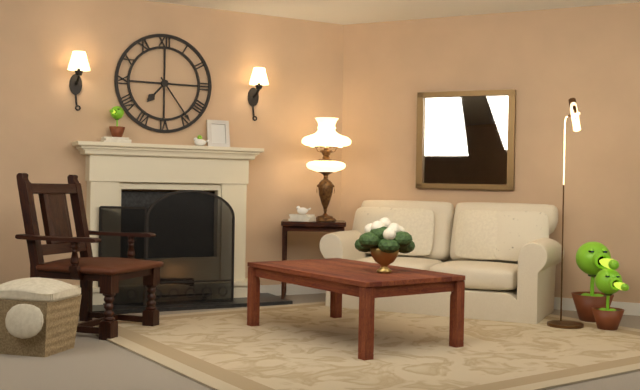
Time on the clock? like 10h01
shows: 7h24
